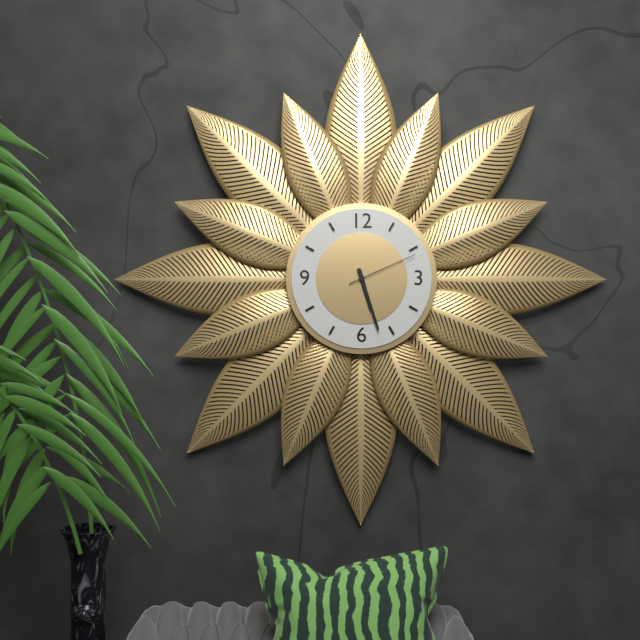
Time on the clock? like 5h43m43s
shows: 5h27m11s
